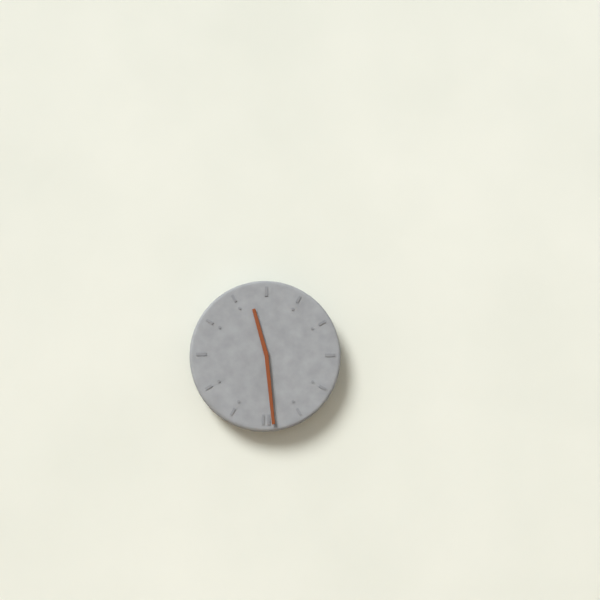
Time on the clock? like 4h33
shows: 11h29
